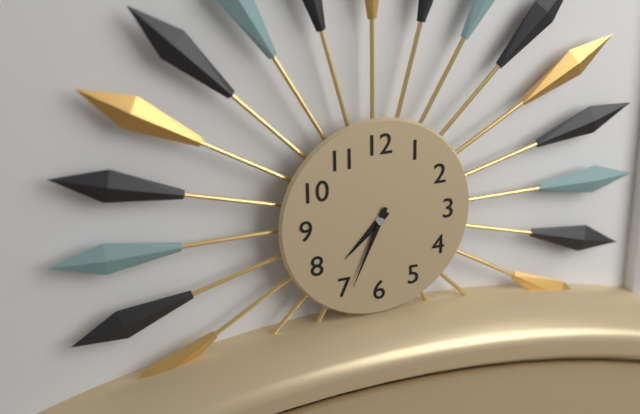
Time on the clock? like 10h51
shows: 7h34
